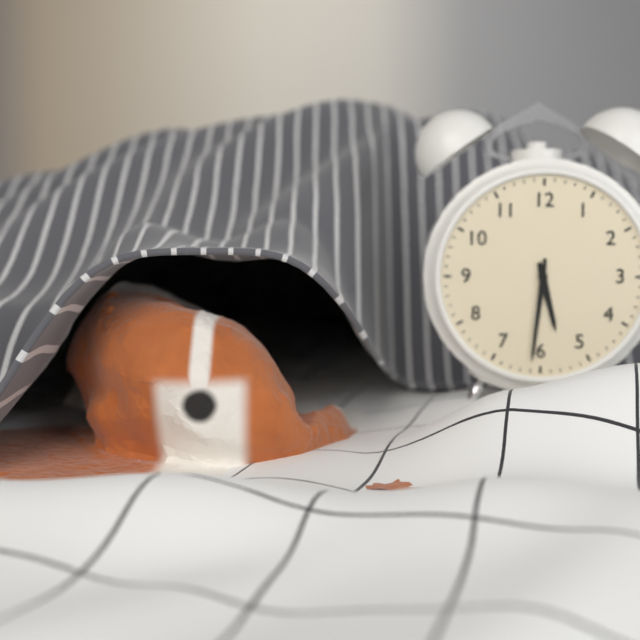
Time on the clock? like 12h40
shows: 5h31
